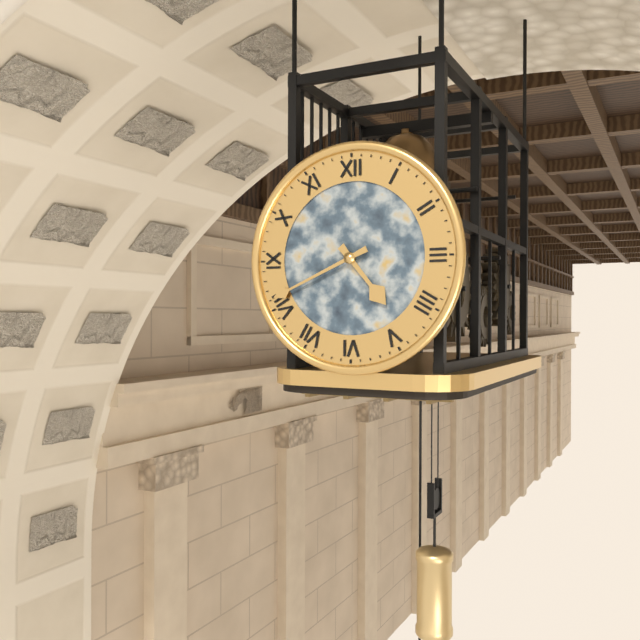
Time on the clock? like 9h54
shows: 4h41
